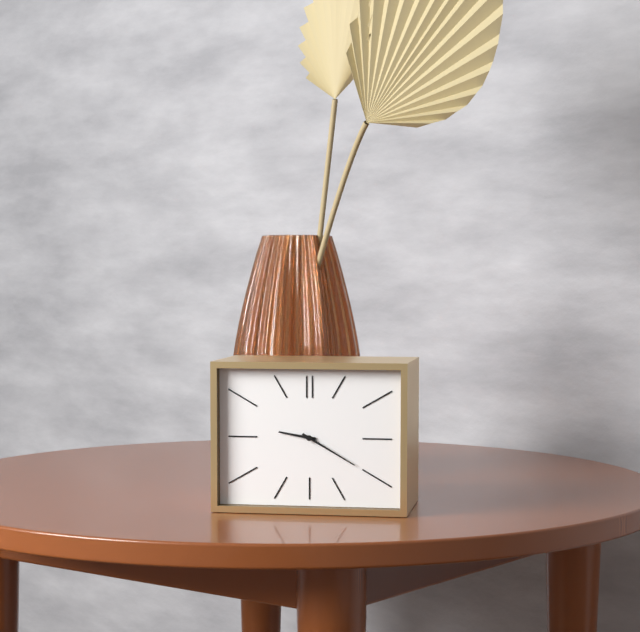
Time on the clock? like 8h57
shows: 9h20
